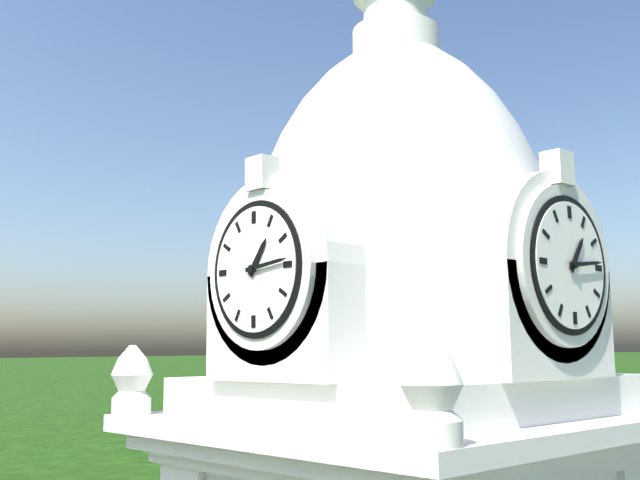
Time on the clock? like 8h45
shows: 1h14
